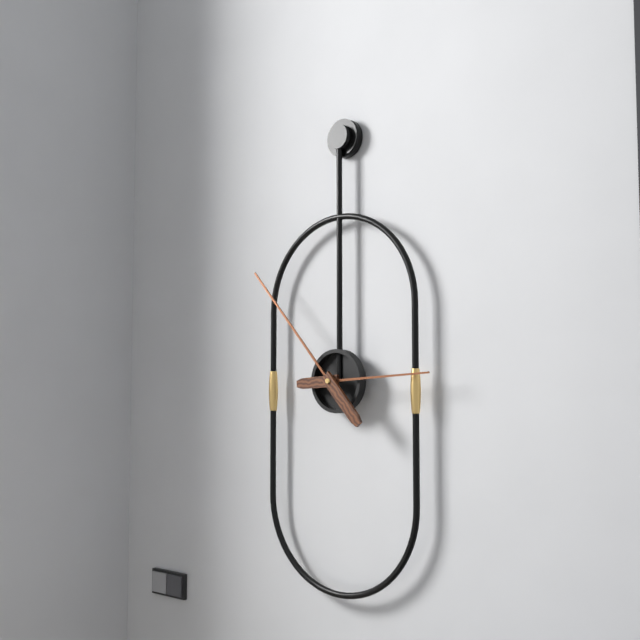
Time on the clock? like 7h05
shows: 2h53
